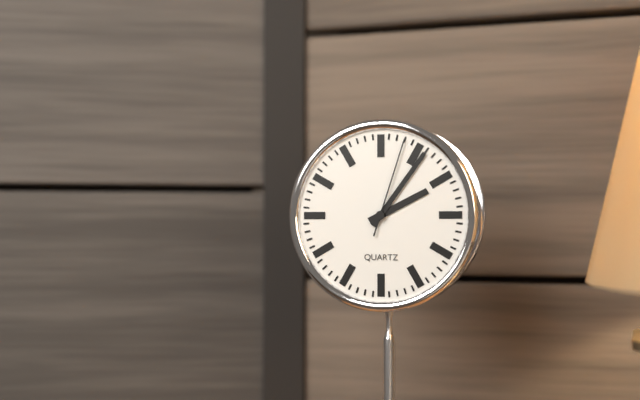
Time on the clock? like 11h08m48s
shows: 2h06m03s
